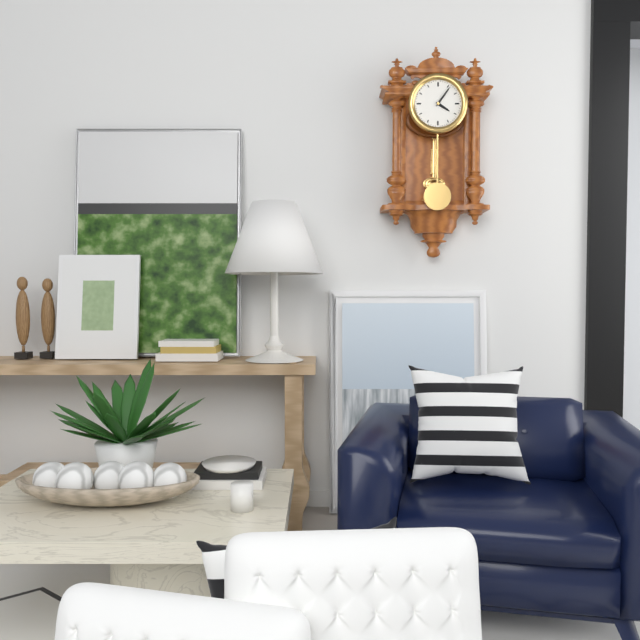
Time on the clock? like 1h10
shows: 4h06
